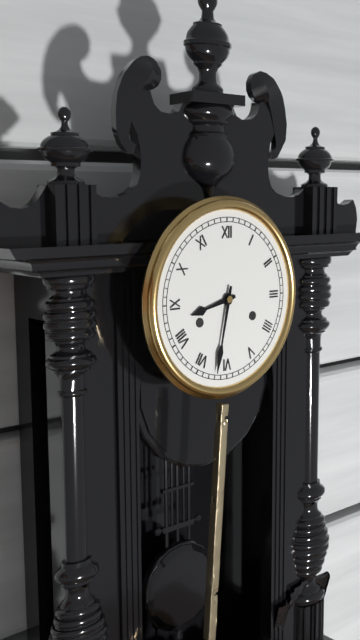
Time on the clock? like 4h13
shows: 8h32
